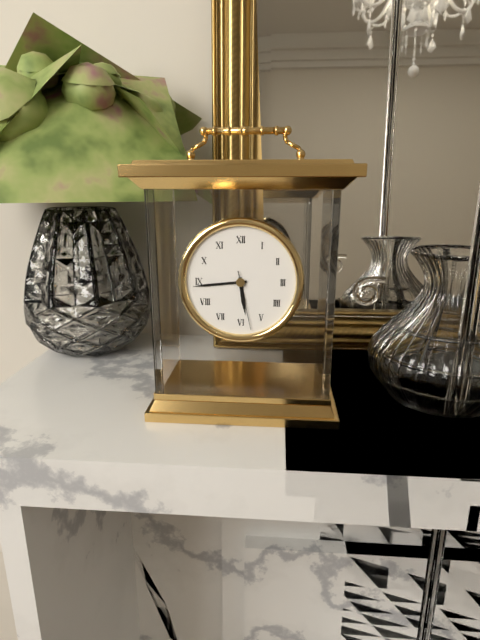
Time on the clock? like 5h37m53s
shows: 5h44m28s
